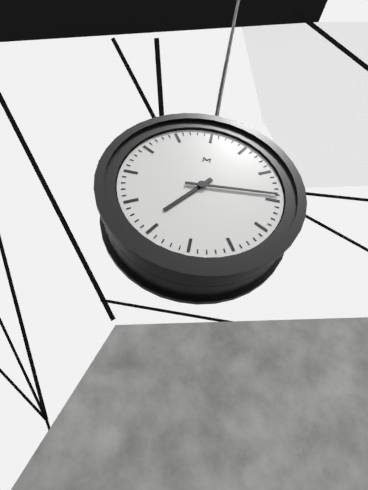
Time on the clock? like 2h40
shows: 7h14
